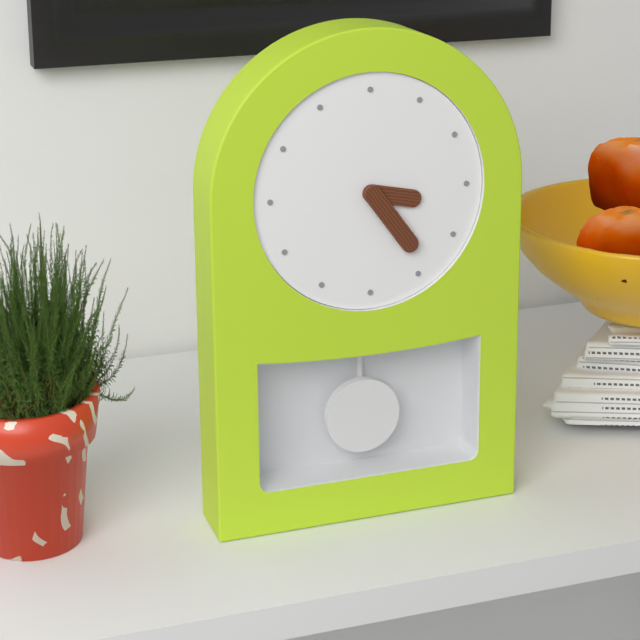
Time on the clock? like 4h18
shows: 3h24
